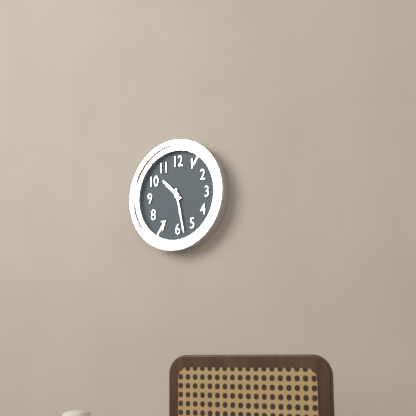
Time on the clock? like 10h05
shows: 10h28
